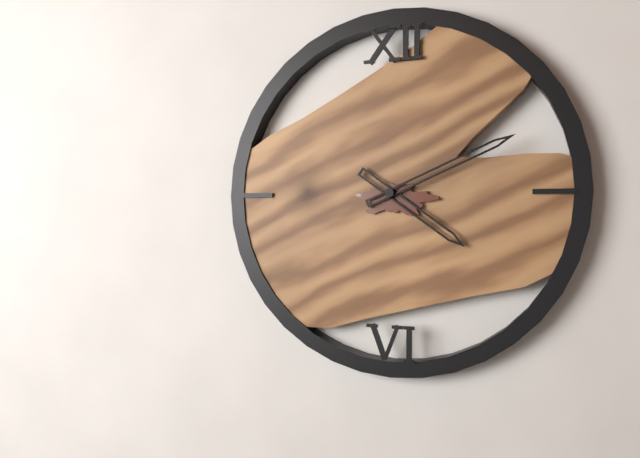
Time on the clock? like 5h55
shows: 4h11
